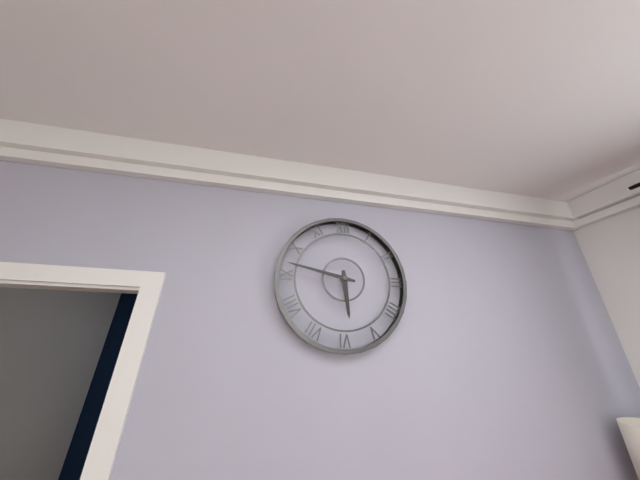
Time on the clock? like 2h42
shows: 5h47
